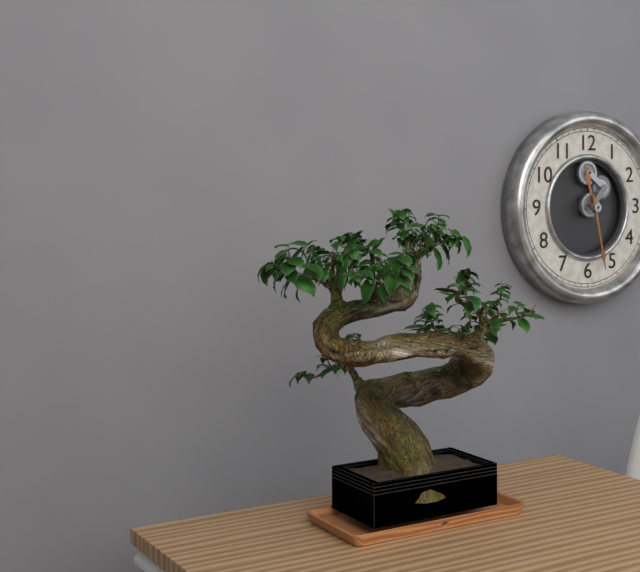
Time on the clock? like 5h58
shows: 11h28
